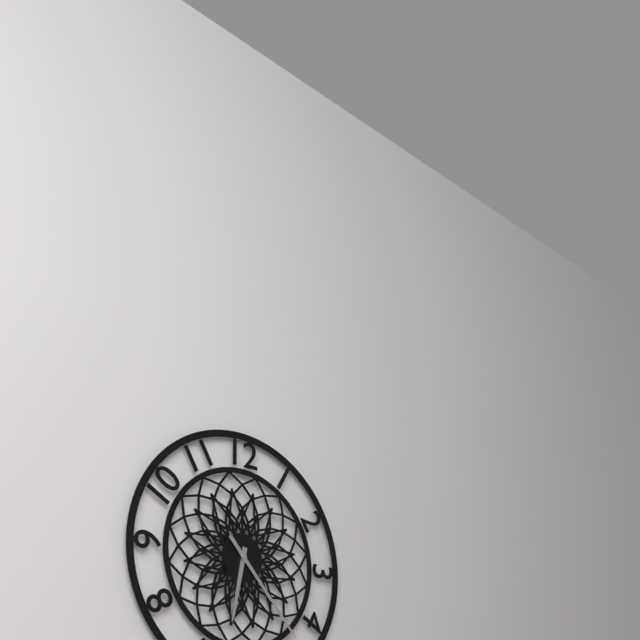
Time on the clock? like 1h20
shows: 6h23
